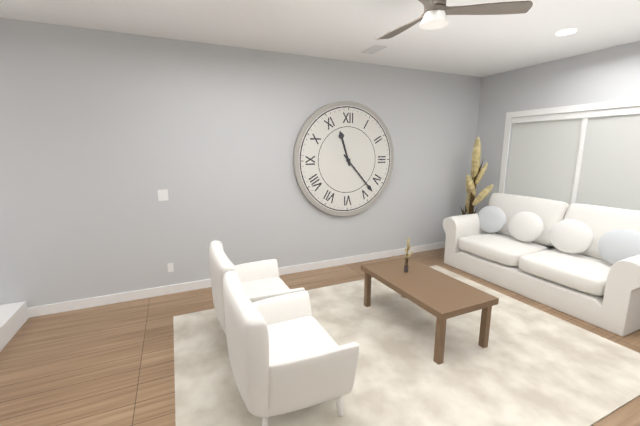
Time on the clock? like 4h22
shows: 11h23
